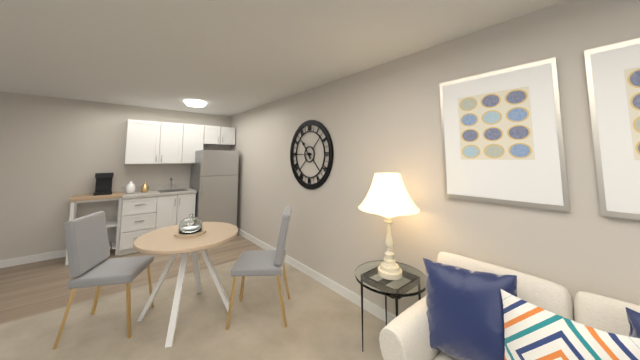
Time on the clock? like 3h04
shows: 10h45
